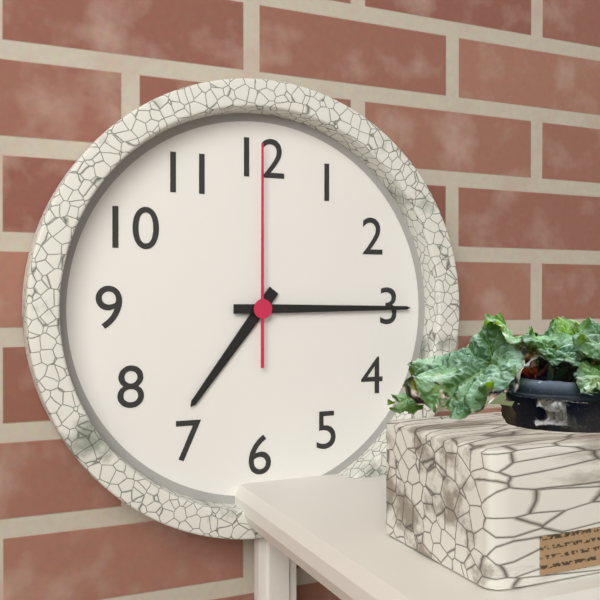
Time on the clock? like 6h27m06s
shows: 7h15m00s
